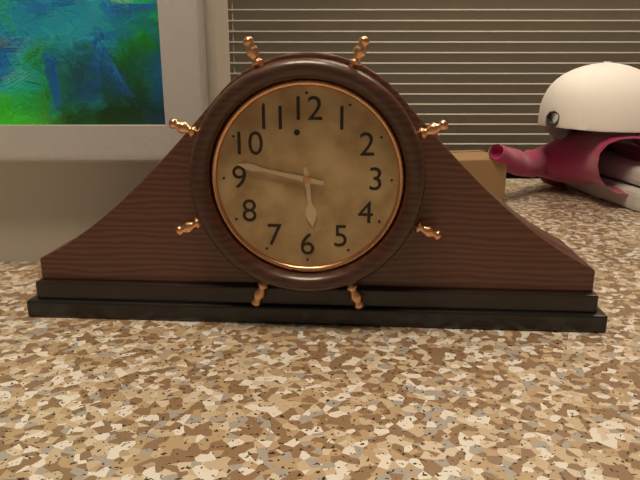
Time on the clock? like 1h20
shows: 5h47
